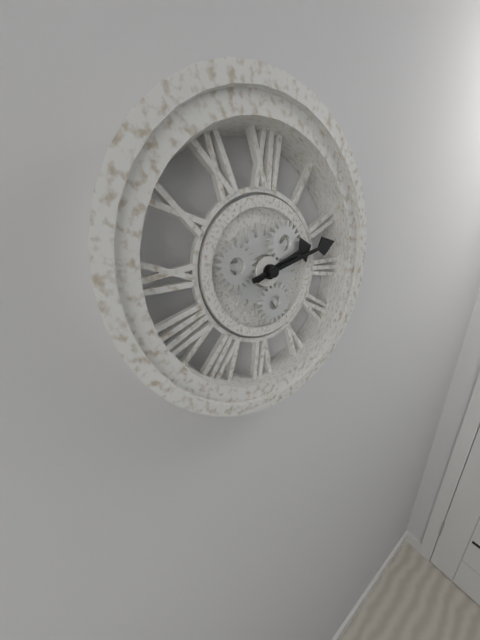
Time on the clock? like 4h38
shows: 2h12
